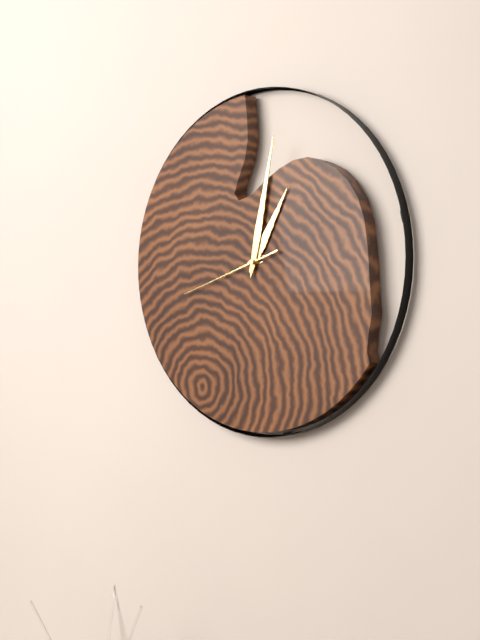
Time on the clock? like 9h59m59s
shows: 1h02m42s
